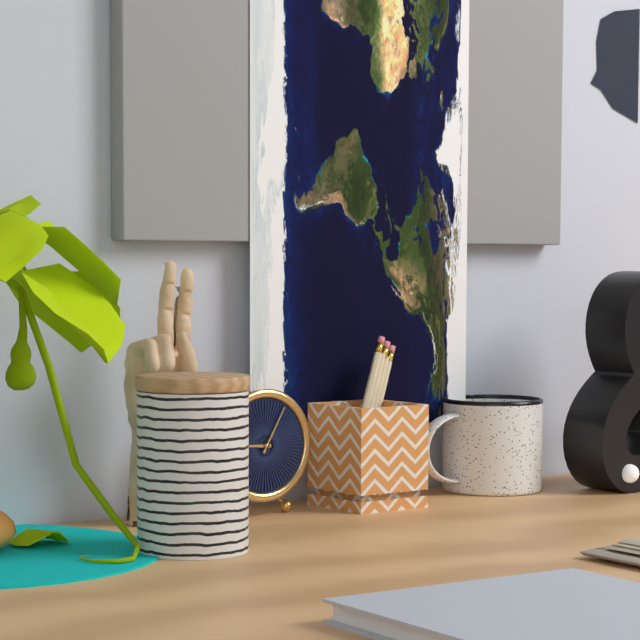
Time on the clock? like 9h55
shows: 9h05
